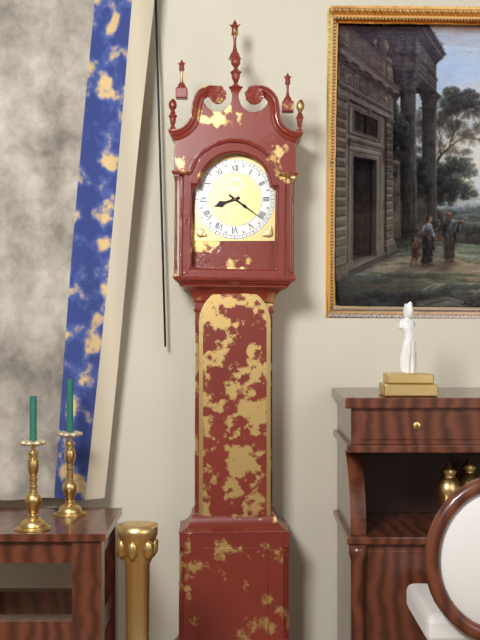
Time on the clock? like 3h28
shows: 8h21
